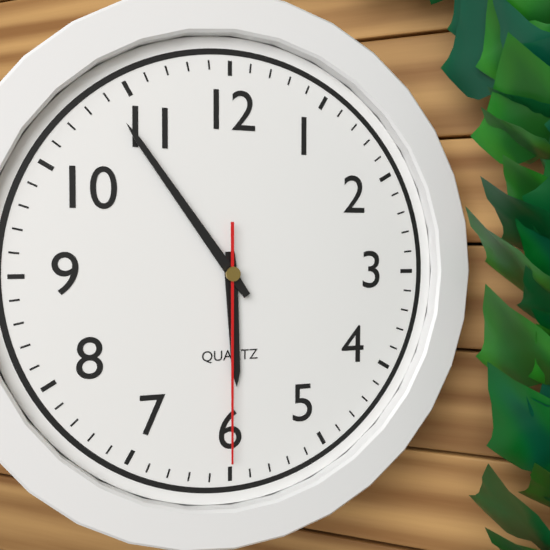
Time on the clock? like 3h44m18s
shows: 5h54m30s
